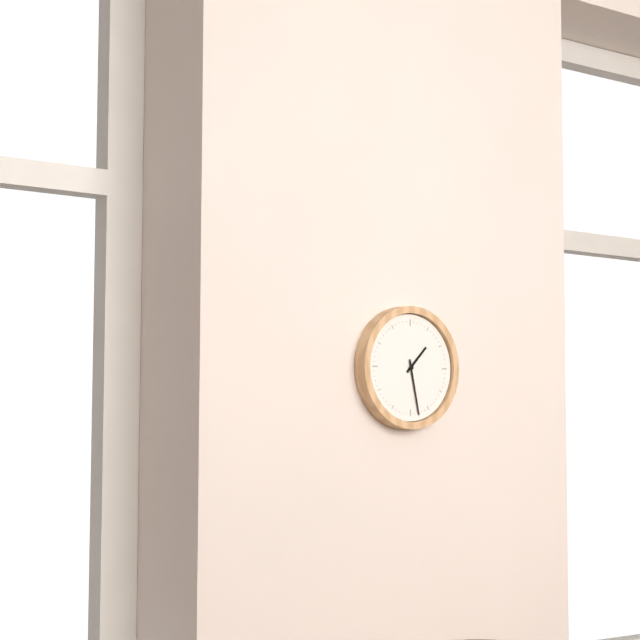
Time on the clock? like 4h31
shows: 1h28
